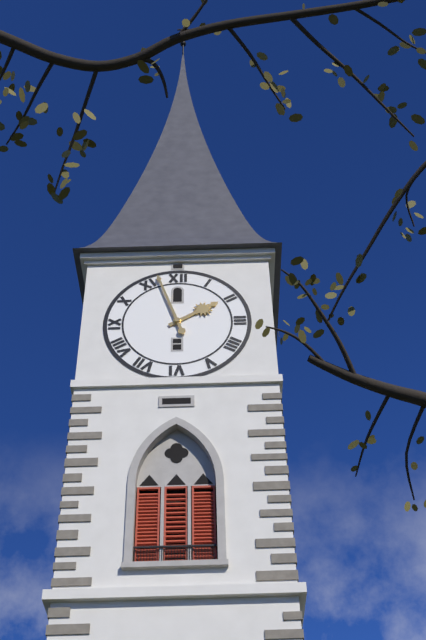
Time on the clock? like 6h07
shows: 1h57
